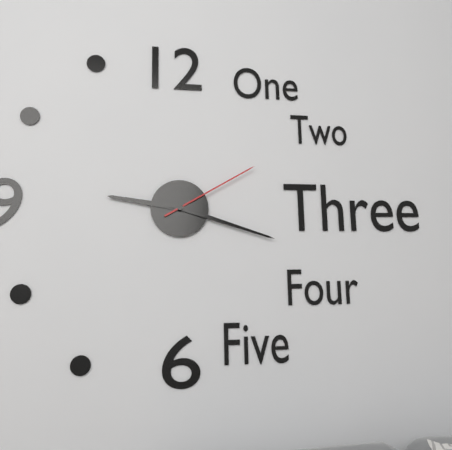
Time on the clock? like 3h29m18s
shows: 9h18m10s
